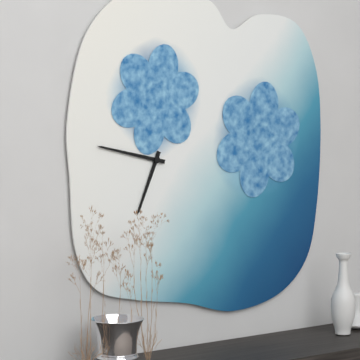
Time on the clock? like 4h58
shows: 6h47
